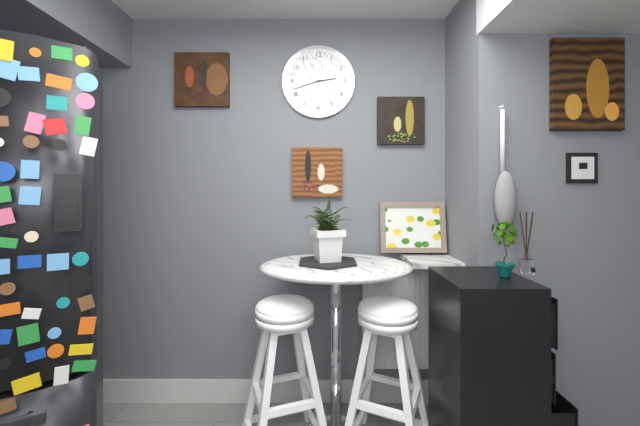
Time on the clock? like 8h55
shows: 2h42
